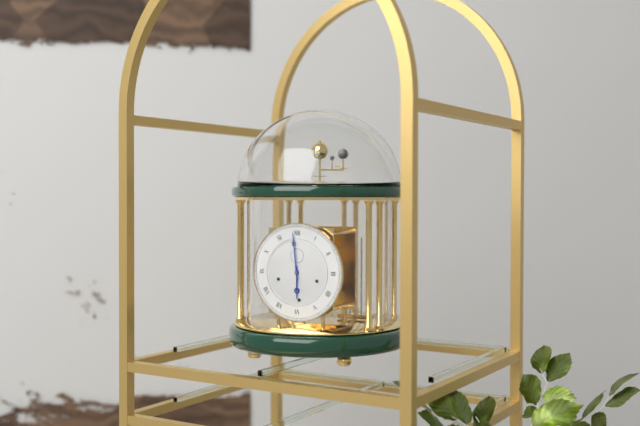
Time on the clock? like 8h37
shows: 5h59
